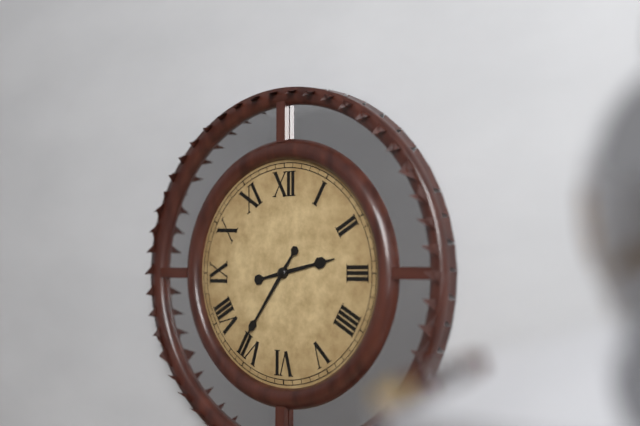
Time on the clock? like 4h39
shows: 2h36
